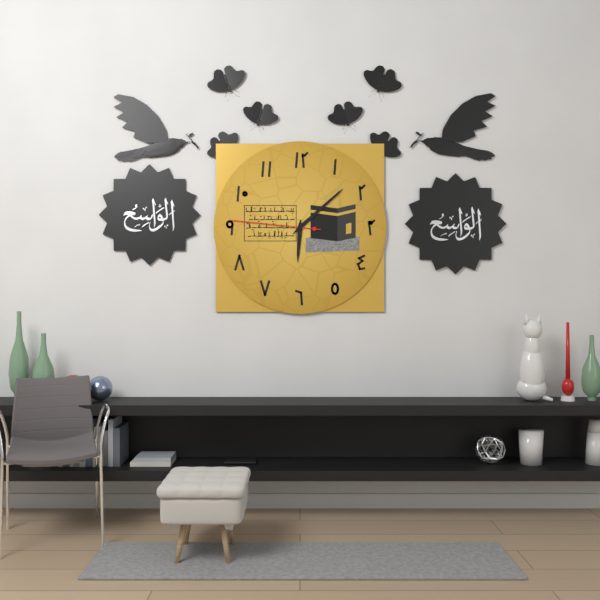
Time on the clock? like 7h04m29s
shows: 6h08m46s
